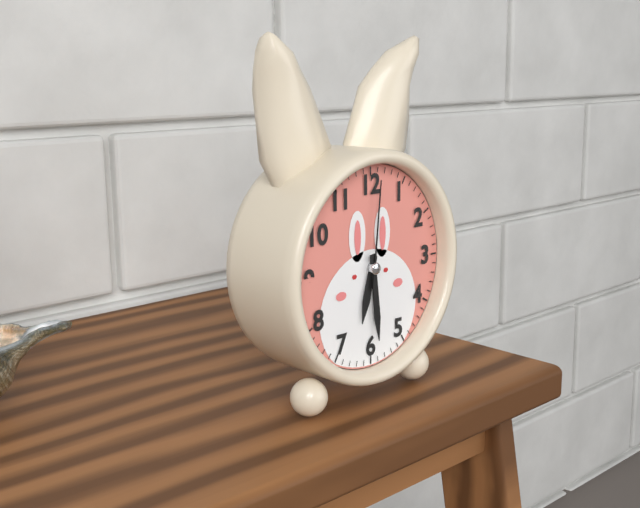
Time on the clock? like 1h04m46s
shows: 6h29m01s
